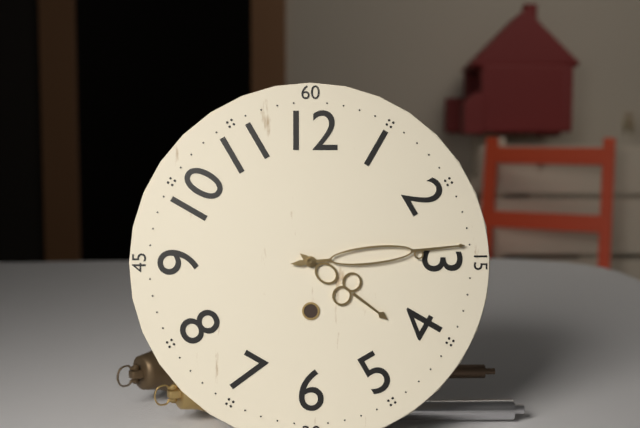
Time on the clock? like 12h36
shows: 4h14
